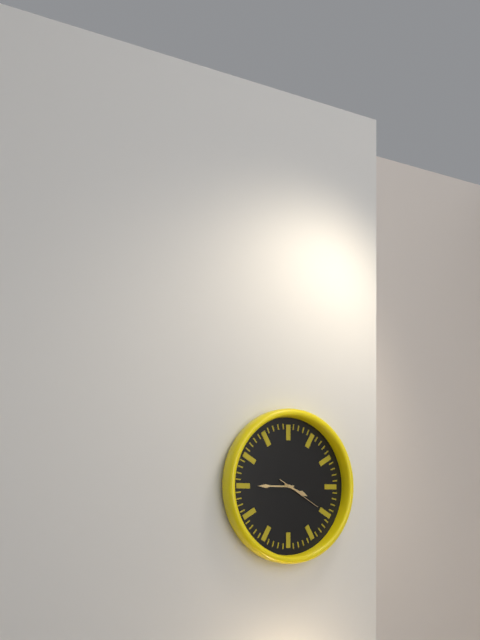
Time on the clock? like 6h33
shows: 3h45
